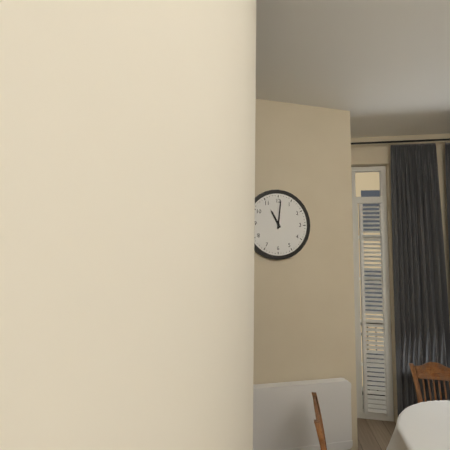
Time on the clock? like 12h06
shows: 11h01
